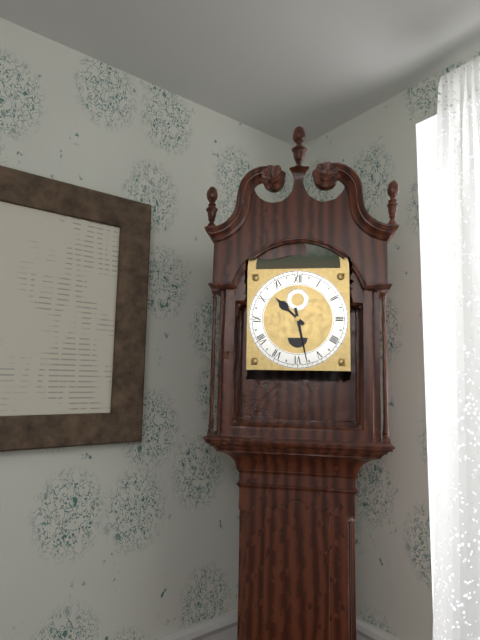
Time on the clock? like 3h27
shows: 10h28
